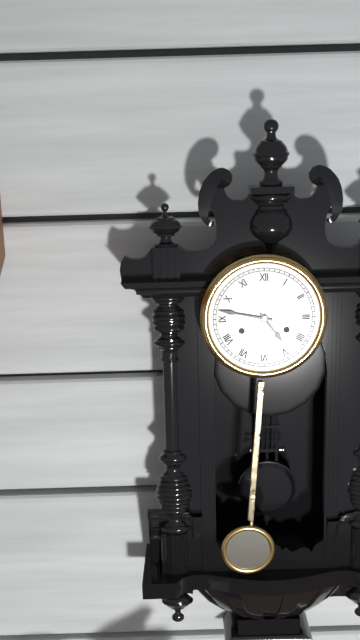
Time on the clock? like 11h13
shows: 4h47
